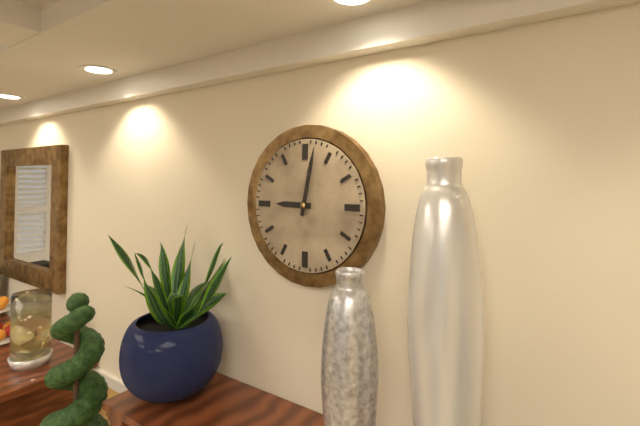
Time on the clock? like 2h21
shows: 9h02
